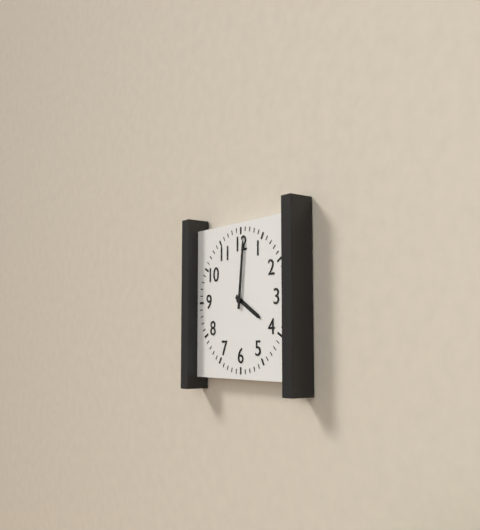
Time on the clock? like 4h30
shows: 4h01
